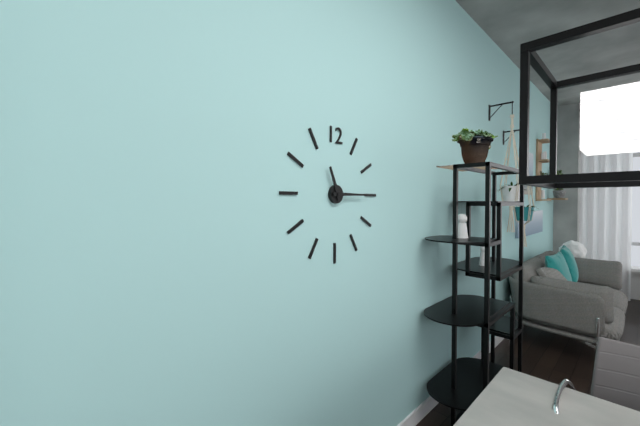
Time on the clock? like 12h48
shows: 11h15
